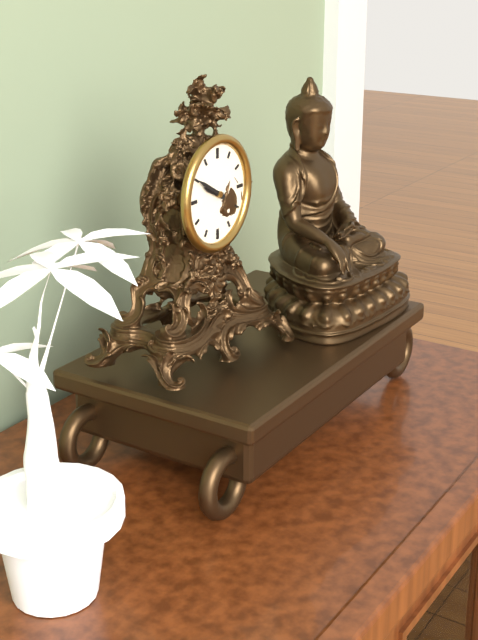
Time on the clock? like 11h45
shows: 9h50
